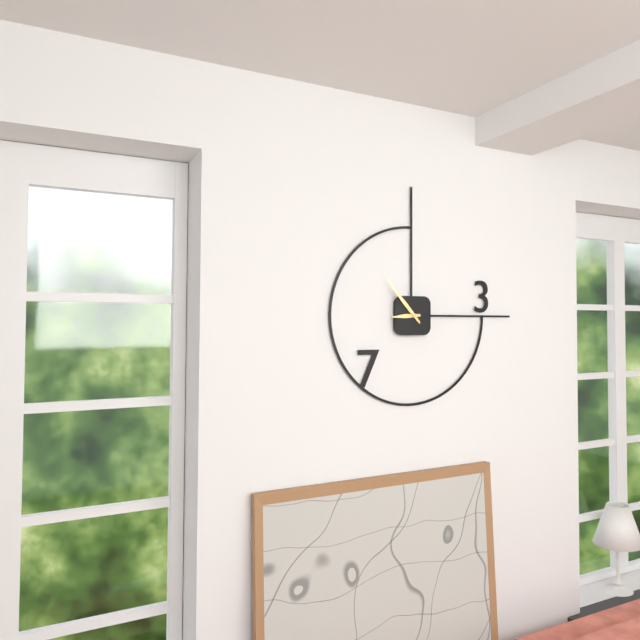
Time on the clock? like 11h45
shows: 8h53
